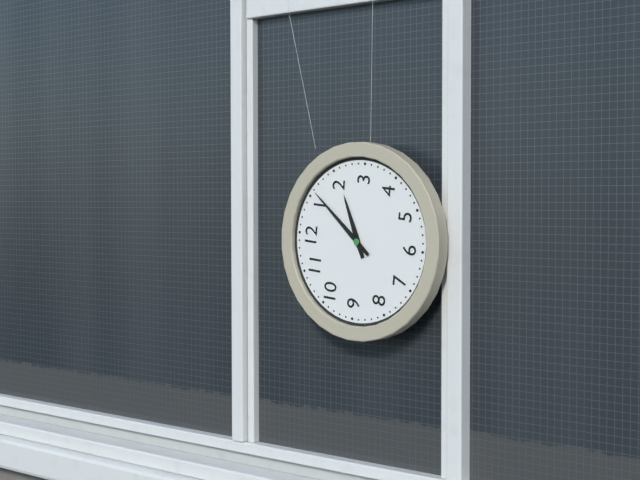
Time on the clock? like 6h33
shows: 2h06
